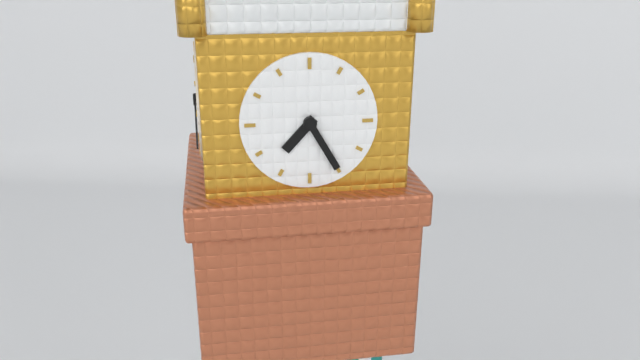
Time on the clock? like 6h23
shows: 7h25
